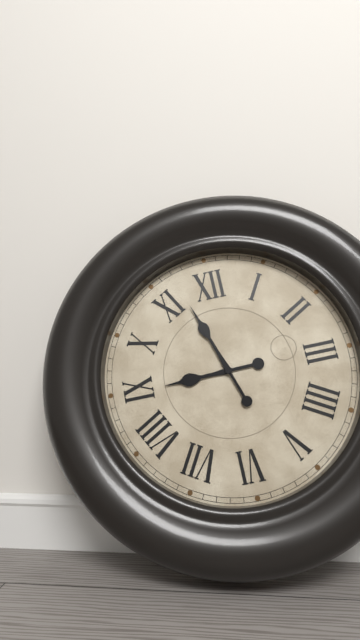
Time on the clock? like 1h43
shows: 8h57
